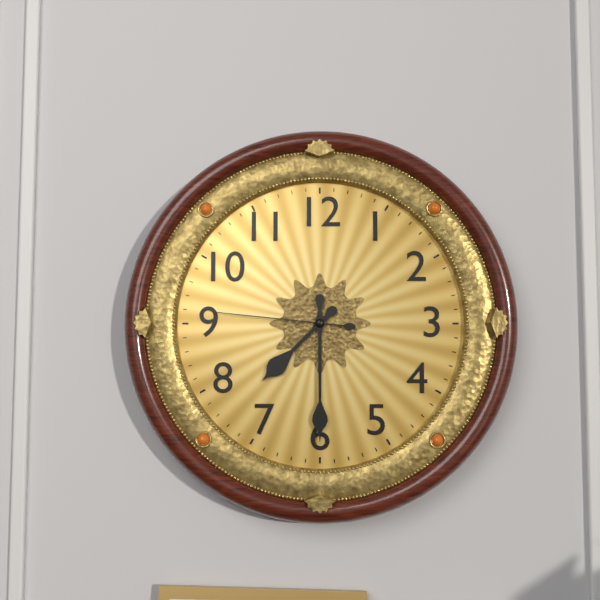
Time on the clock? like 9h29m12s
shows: 7h30m46s
